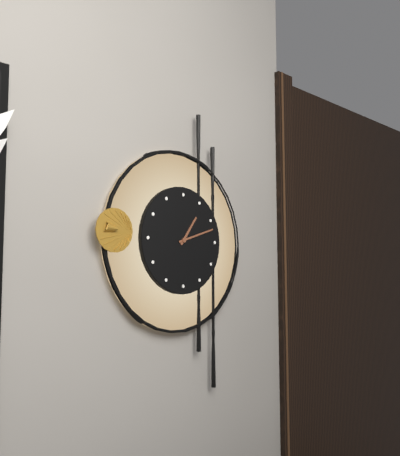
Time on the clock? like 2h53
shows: 1h12
